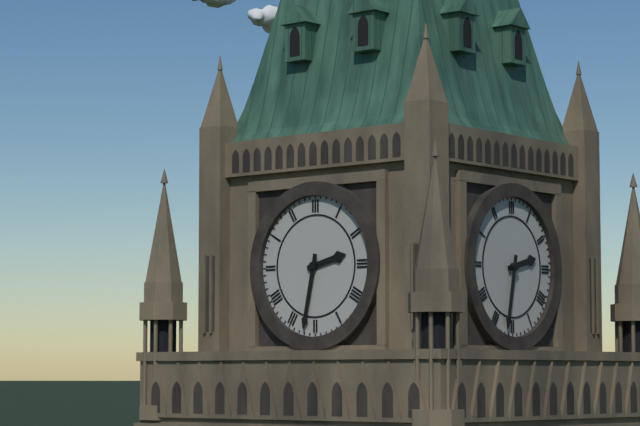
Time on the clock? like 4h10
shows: 2h32
